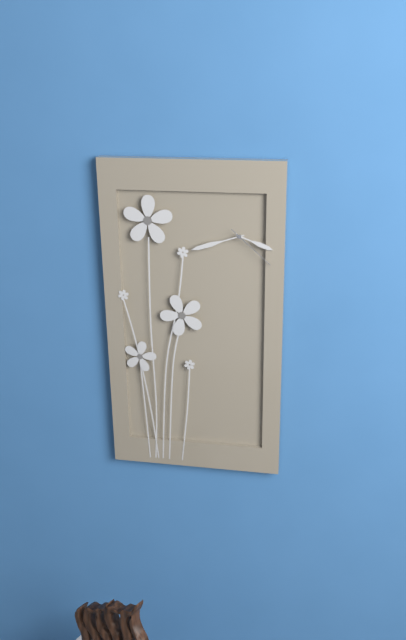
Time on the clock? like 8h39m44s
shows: 3h42m22s
